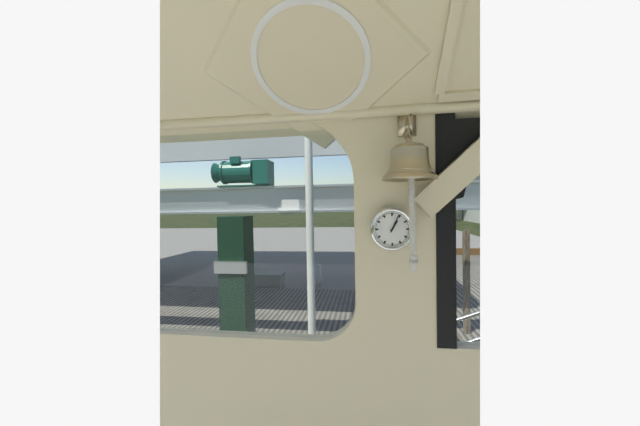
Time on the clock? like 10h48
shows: 1h04
